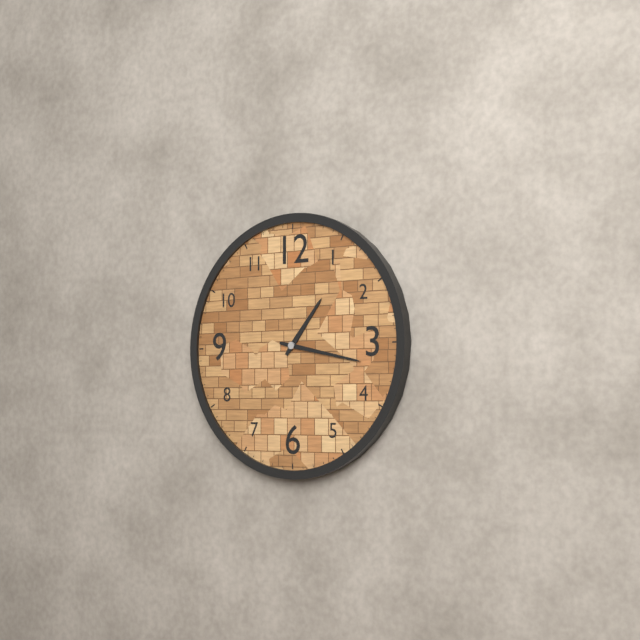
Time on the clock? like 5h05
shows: 1h17
